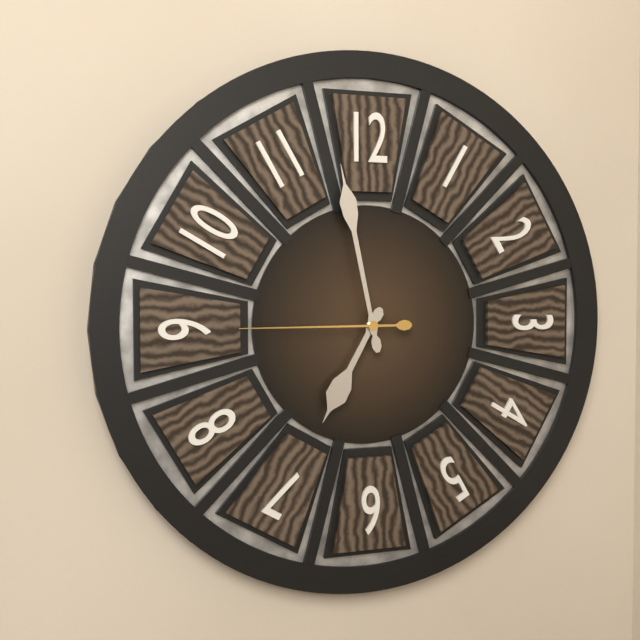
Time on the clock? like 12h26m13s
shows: 6h58m45s
